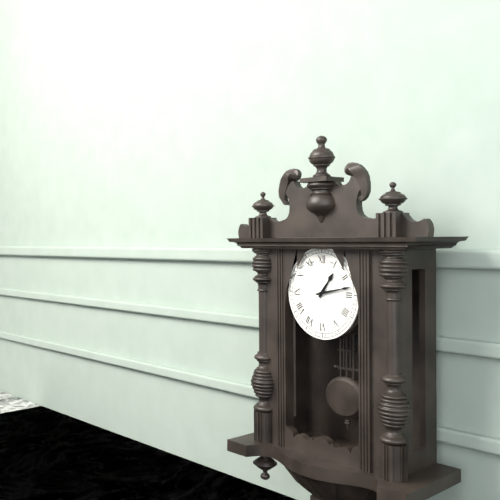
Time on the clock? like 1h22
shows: 1h13
